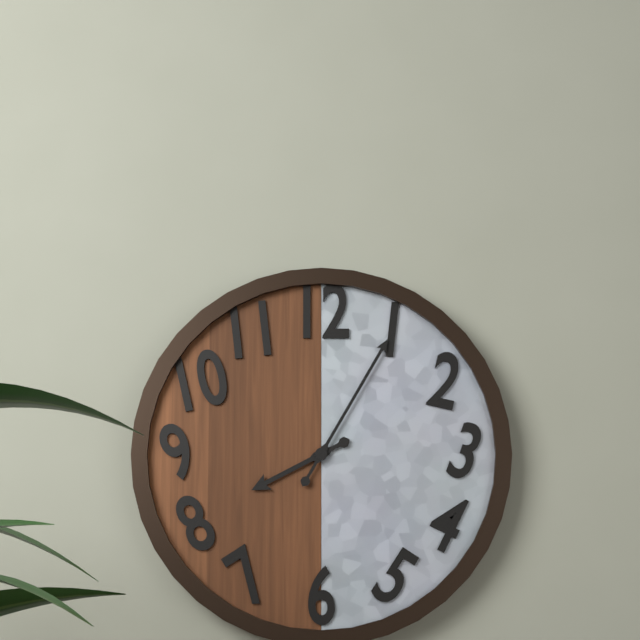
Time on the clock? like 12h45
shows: 8h05
